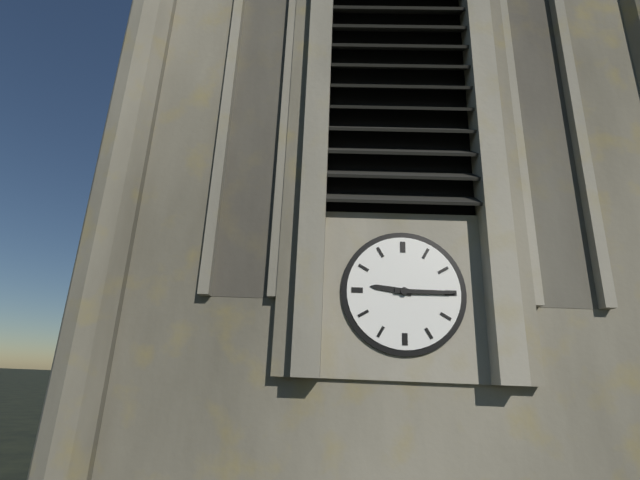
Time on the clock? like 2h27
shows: 9h15
